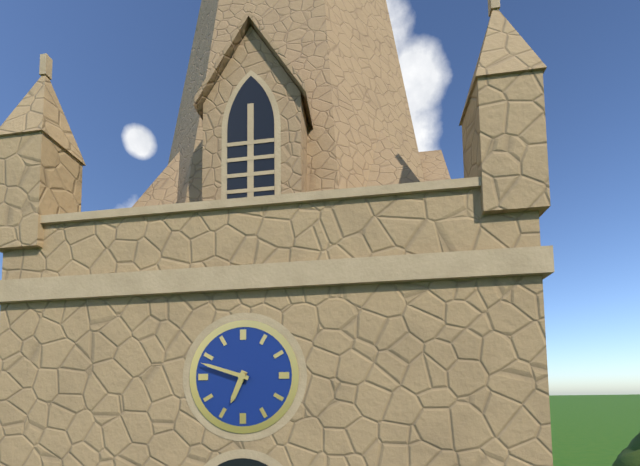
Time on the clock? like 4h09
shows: 6h48
